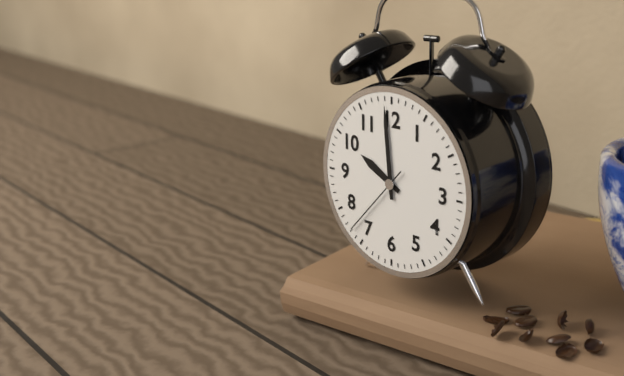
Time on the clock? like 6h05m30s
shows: 9h59m37s
